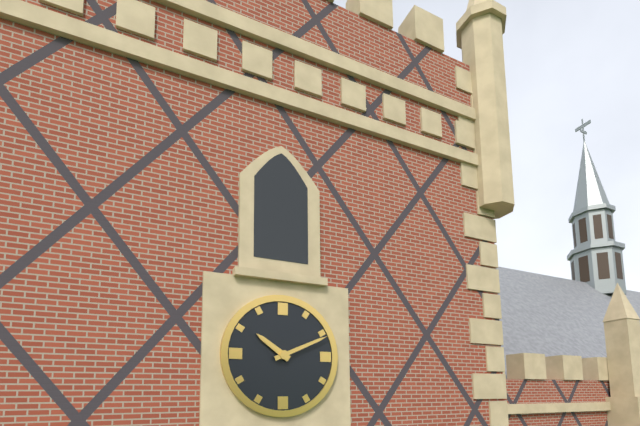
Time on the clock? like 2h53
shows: 10h11
